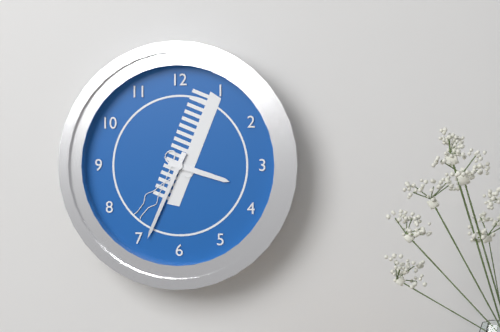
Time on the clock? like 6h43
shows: 3h34
